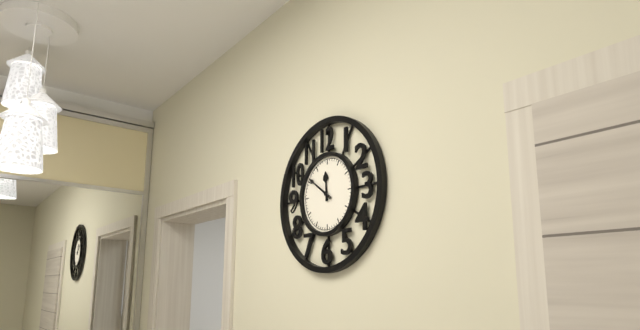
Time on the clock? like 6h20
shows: 11h51
